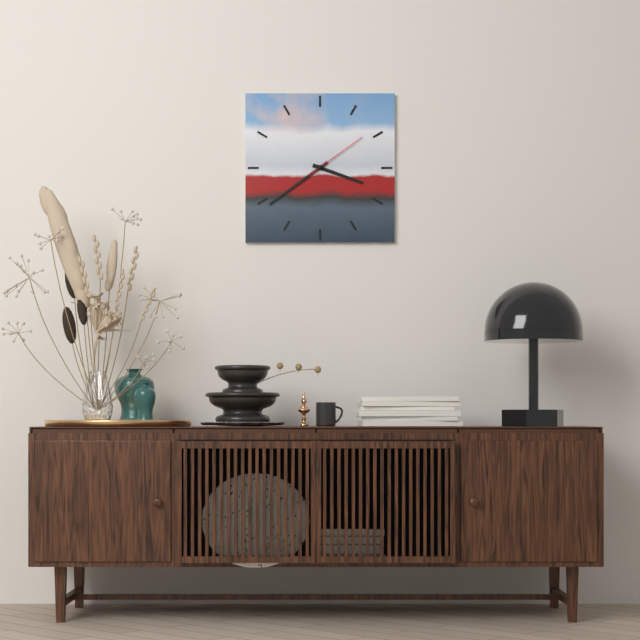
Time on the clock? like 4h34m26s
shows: 3h39m09s
